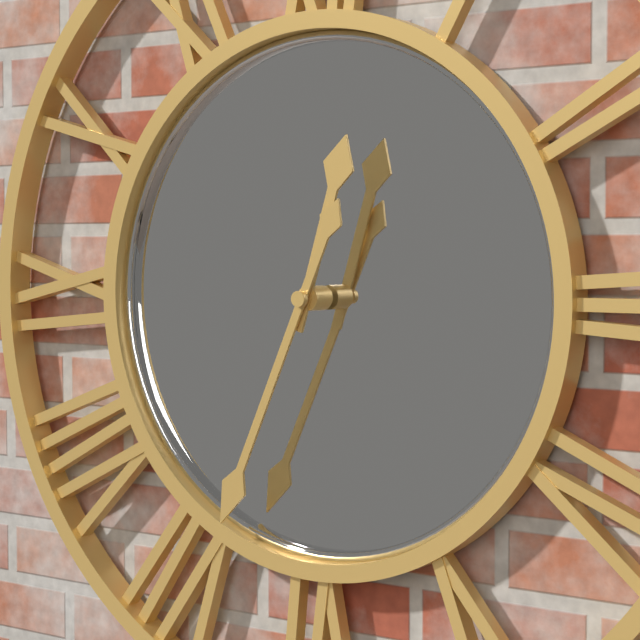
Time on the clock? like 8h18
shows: 12h34
